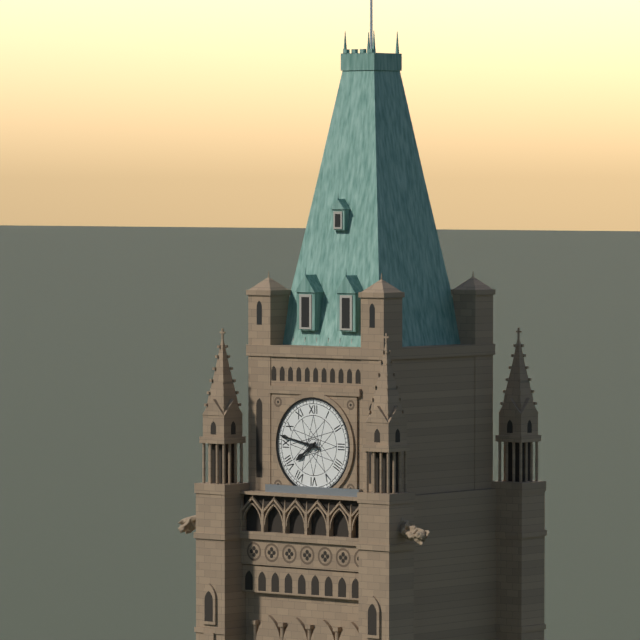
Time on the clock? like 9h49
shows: 7h47
